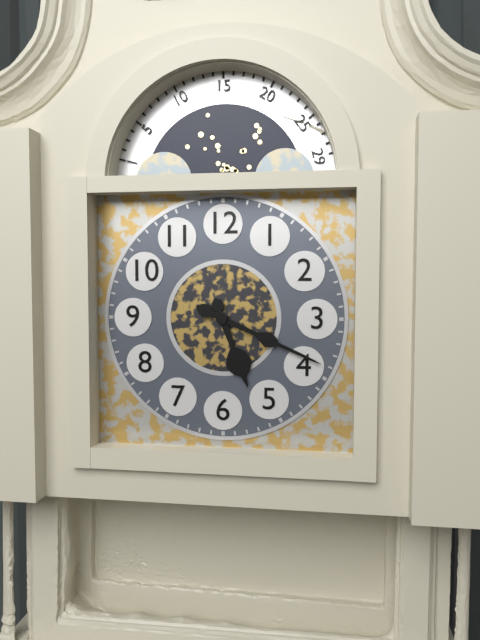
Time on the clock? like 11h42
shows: 5h19
